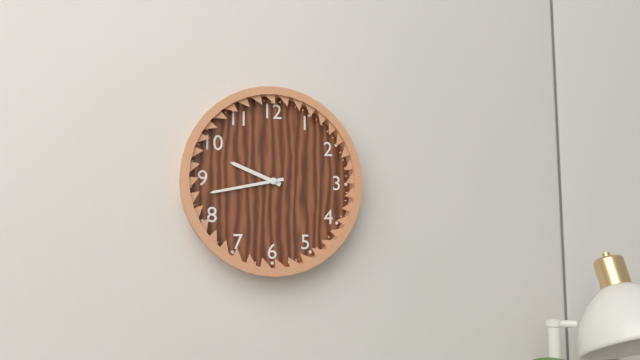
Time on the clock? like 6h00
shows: 9h43
